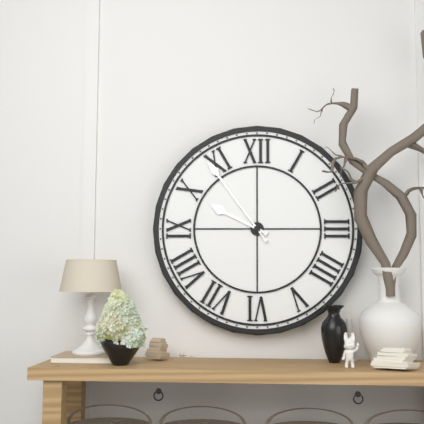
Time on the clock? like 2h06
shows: 9h54
